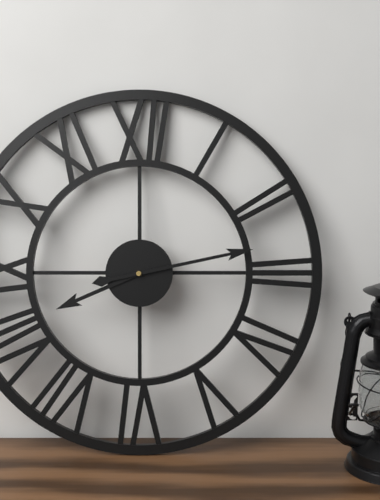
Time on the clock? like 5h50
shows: 8h13
